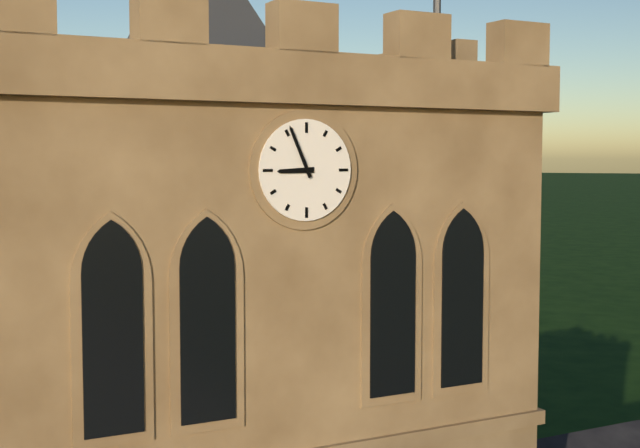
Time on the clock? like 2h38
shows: 8h56
